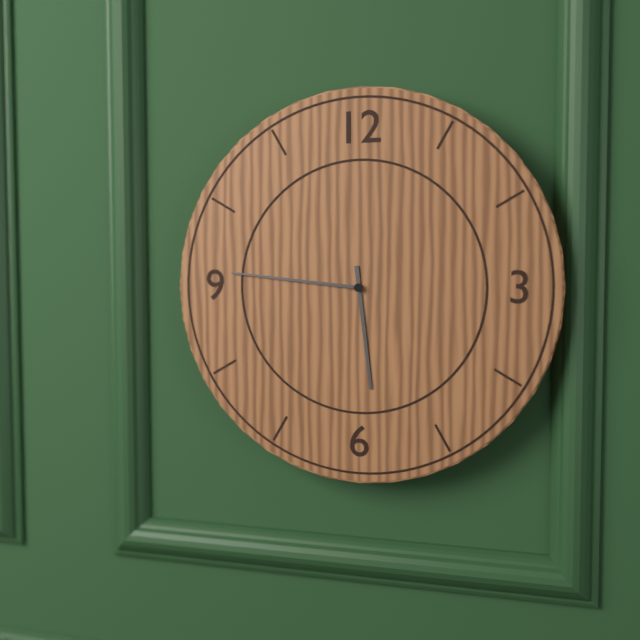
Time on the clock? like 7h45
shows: 5h46
